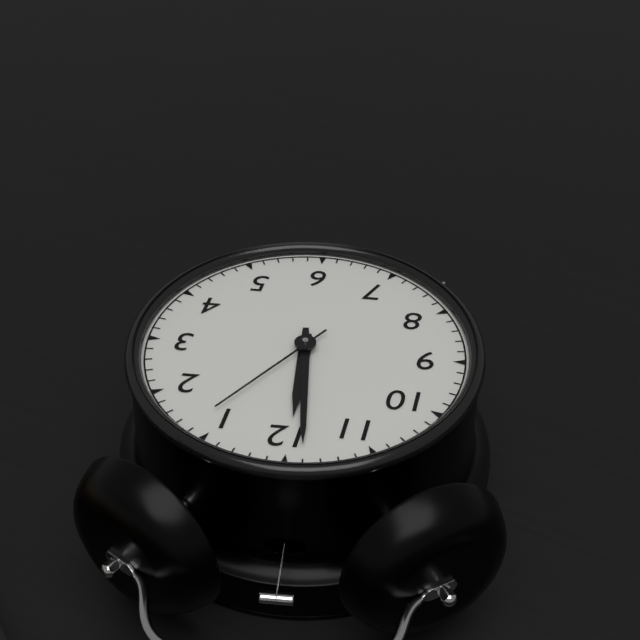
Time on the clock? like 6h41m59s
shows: 11h59m06s
